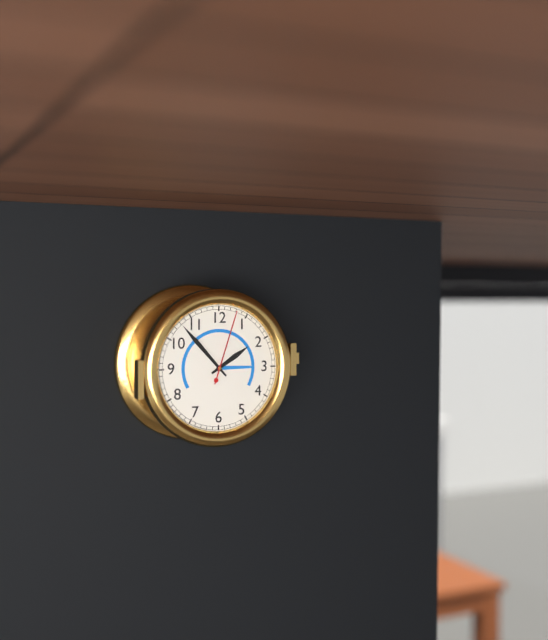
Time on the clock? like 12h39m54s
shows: 1h53m03s
